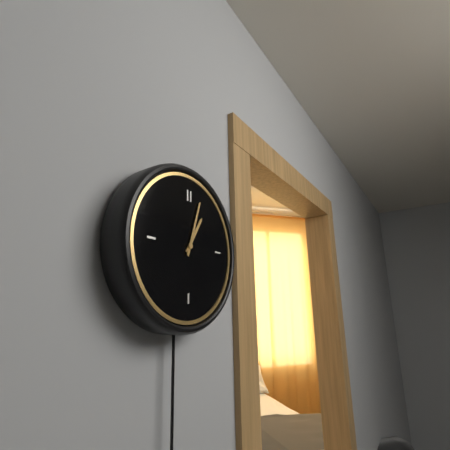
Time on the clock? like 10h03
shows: 1h03
